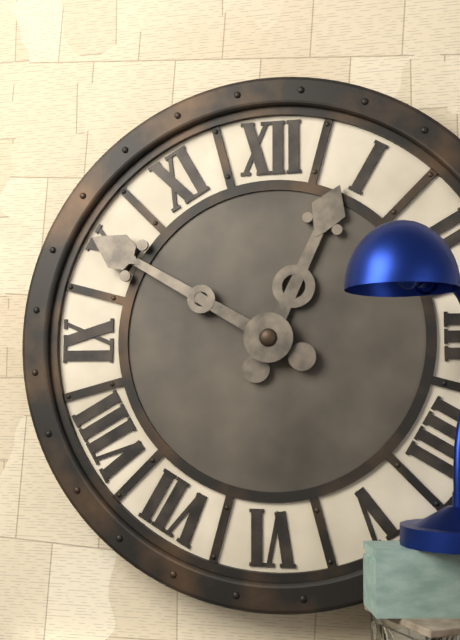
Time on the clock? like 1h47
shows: 12h50
